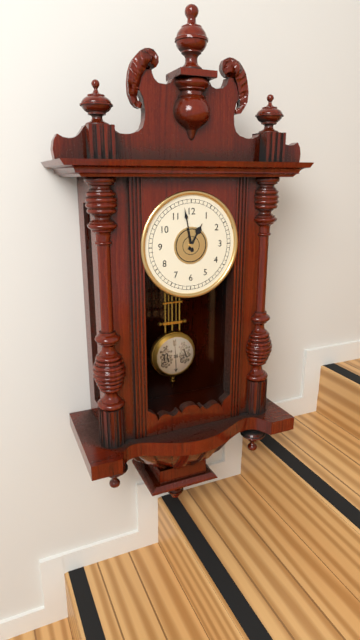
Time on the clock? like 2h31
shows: 12h58
